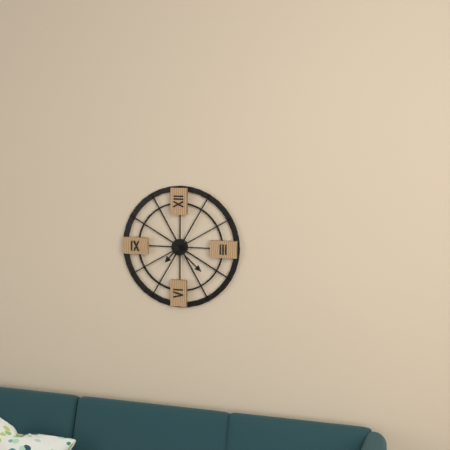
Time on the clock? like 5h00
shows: 7h22
